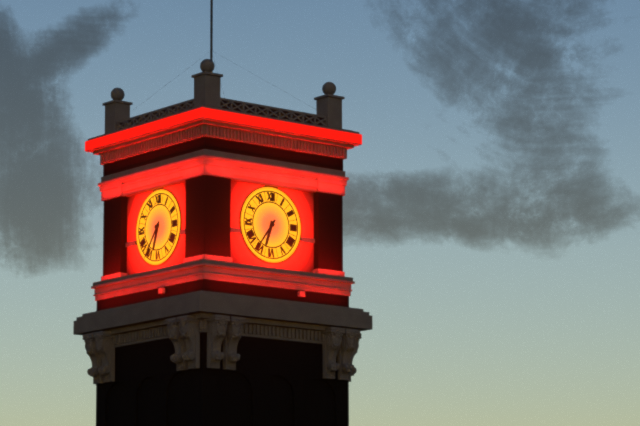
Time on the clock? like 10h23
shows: 6h36
